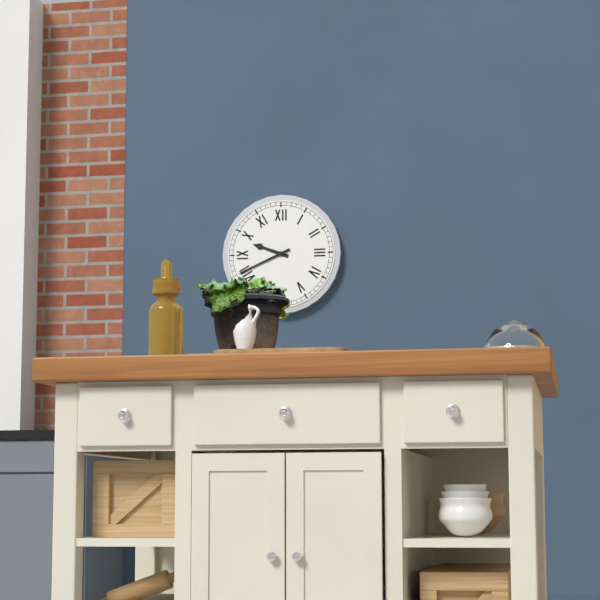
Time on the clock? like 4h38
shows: 9h41
